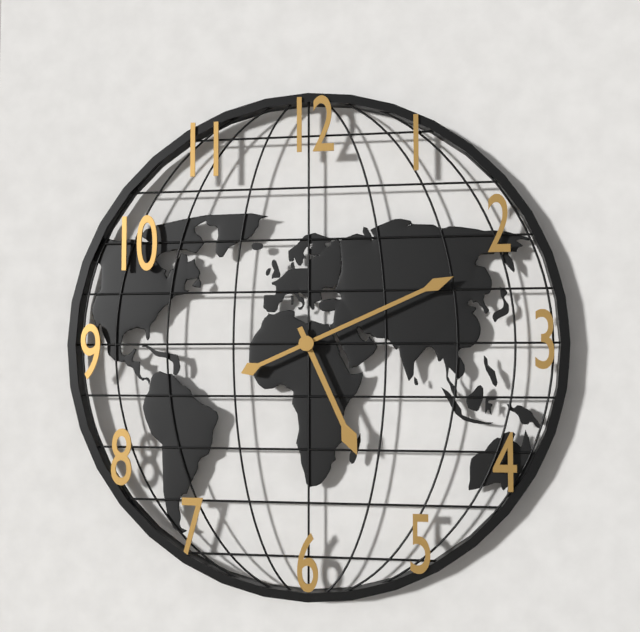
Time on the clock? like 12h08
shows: 5h11
